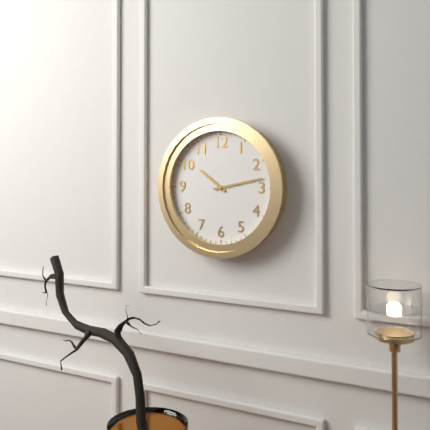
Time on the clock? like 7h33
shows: 10h13
